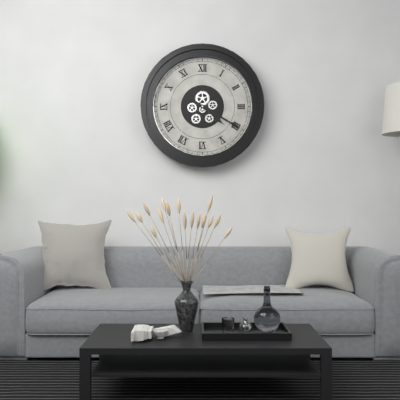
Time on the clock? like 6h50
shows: 4h20
